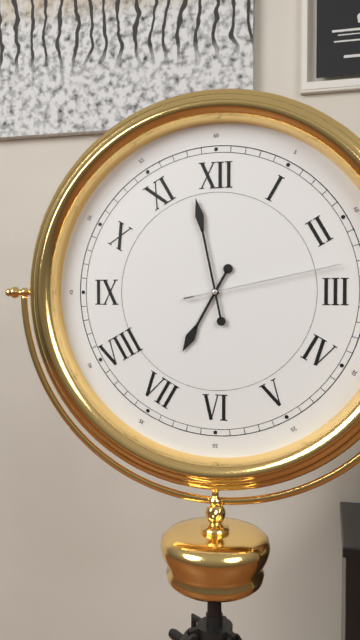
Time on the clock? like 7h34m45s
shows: 6h58m13s
